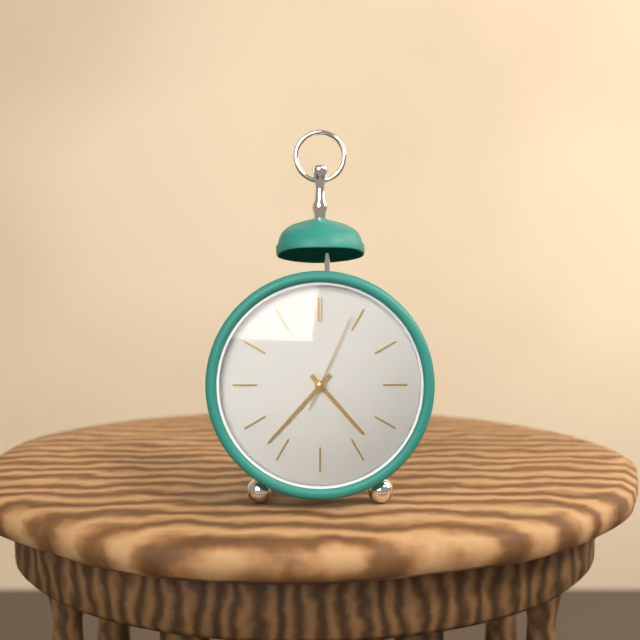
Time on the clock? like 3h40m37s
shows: 4h37m04s
